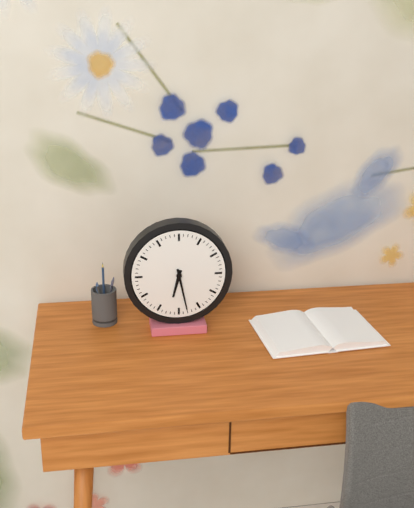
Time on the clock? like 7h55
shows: 6h28
